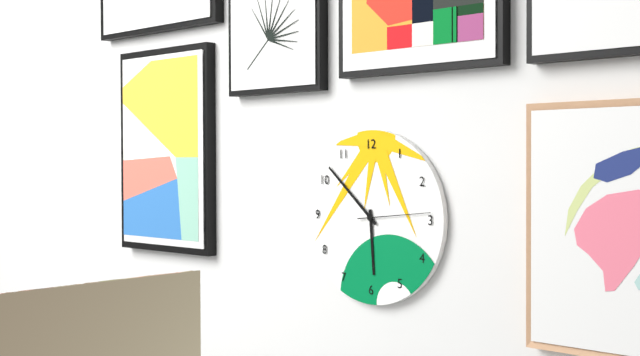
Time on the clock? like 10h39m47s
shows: 5h52m14s
